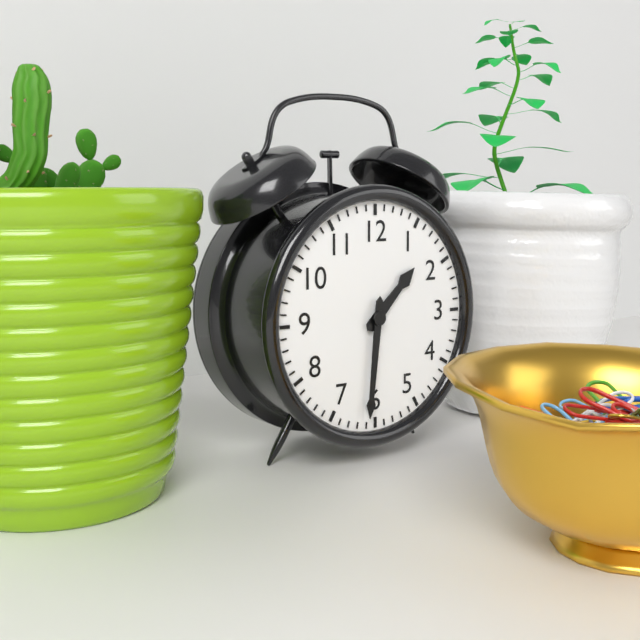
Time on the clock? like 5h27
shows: 1h31
